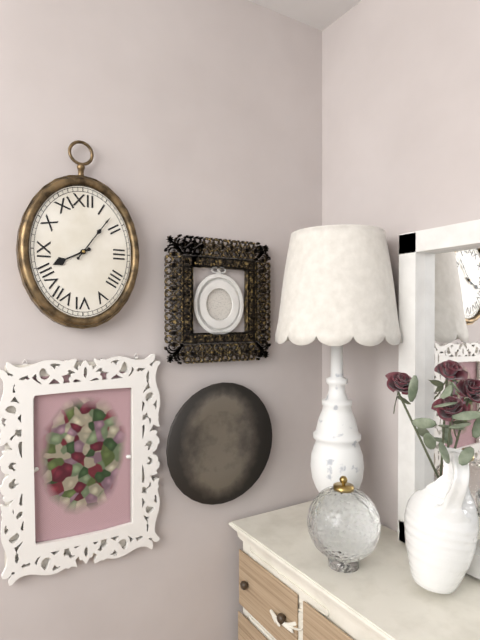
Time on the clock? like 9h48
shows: 8h06
